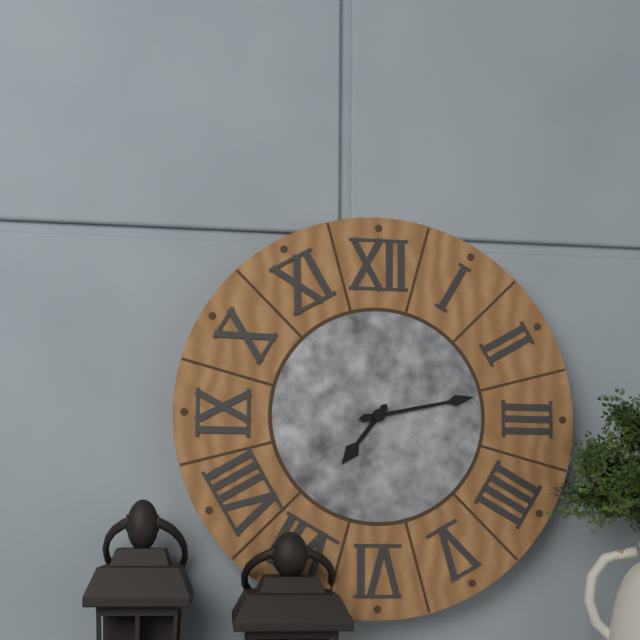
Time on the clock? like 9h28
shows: 7h13
